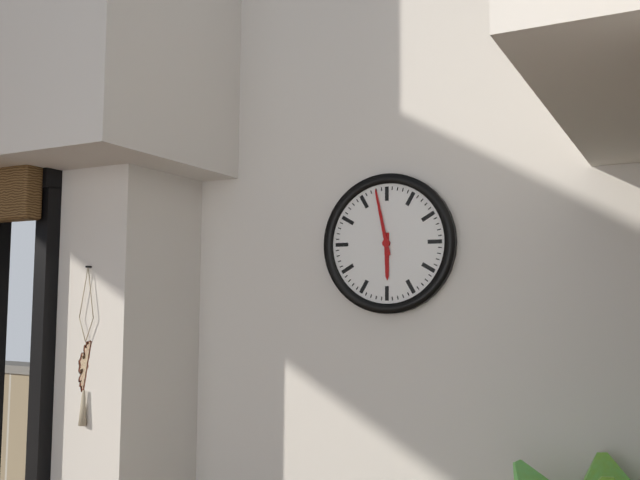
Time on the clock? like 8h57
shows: 5h58
